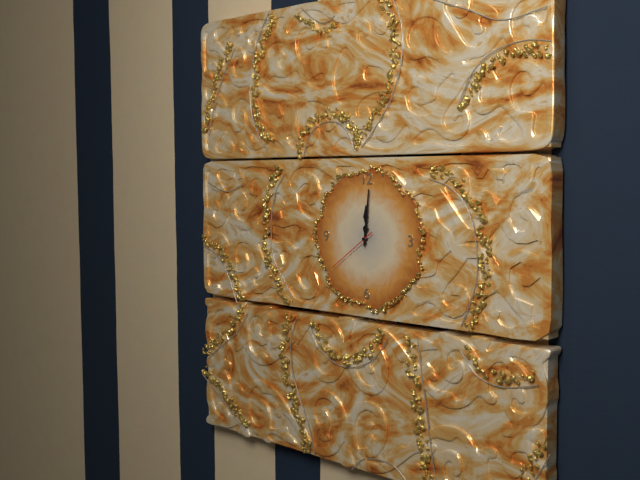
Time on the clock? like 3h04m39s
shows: 12h01m39s
